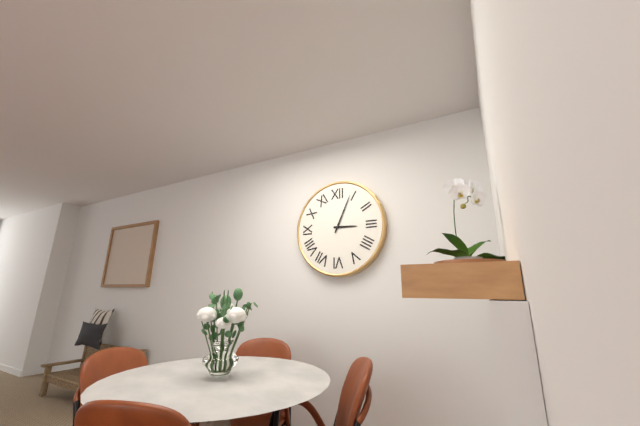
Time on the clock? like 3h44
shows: 3h04
